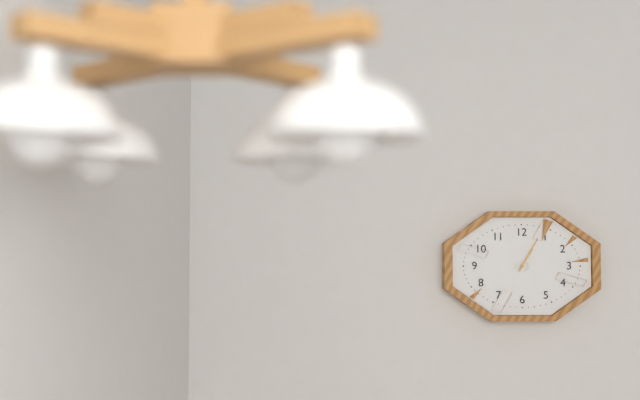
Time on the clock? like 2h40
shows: 1h05
